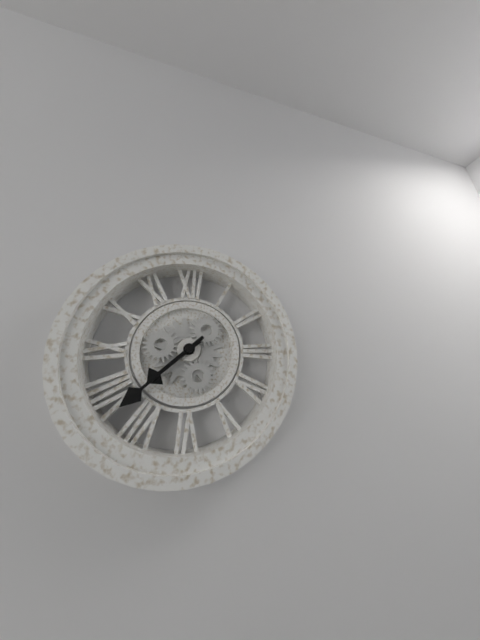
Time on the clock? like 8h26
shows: 7h38
